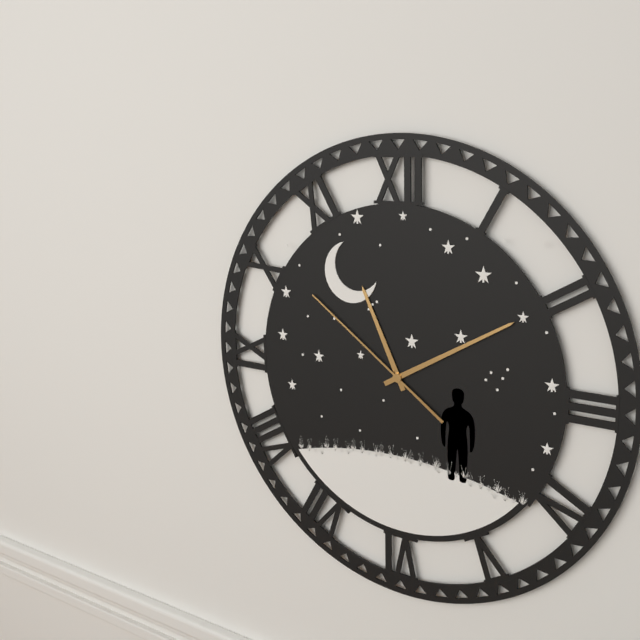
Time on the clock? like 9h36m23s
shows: 11h10m51s
